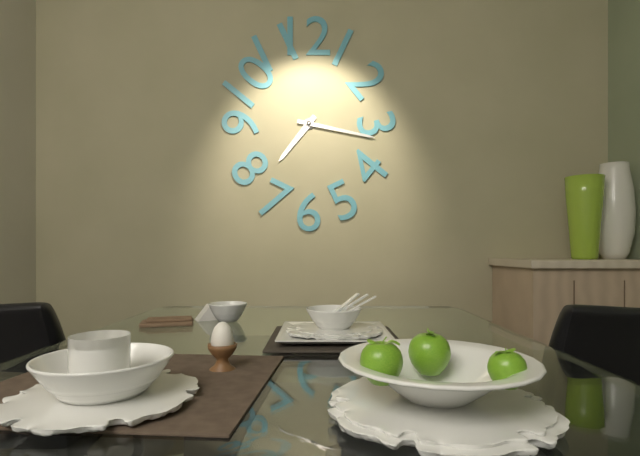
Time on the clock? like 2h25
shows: 7h17
